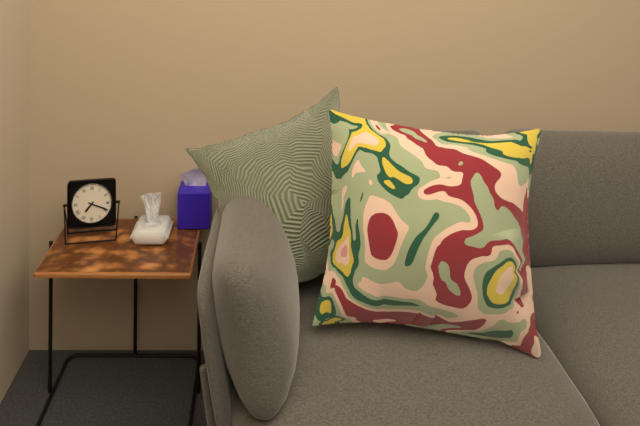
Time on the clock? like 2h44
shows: 7h19
